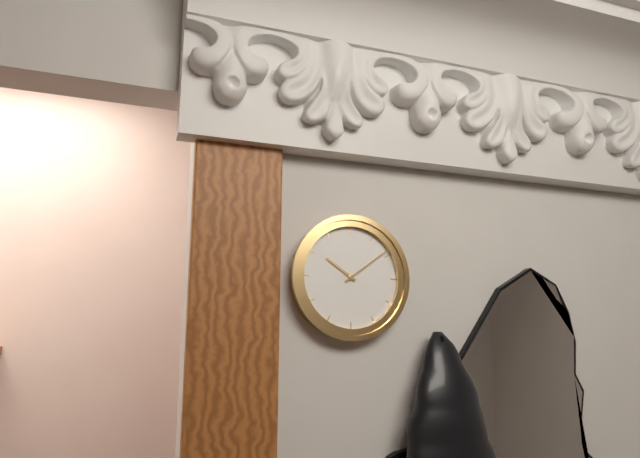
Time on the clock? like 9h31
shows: 10h09
